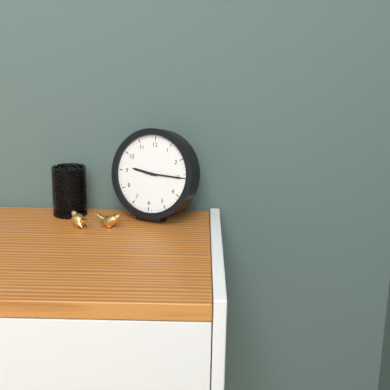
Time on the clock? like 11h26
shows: 9h15
